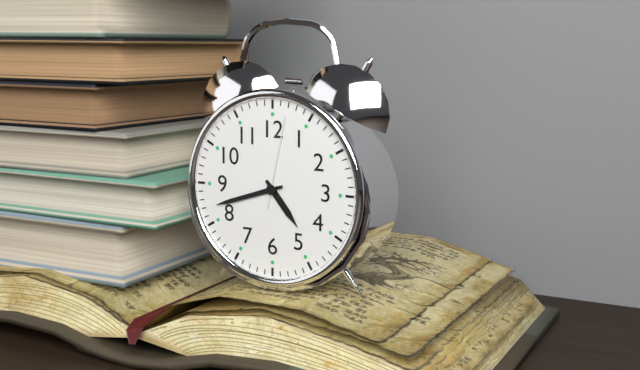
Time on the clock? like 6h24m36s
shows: 4h42m02s
